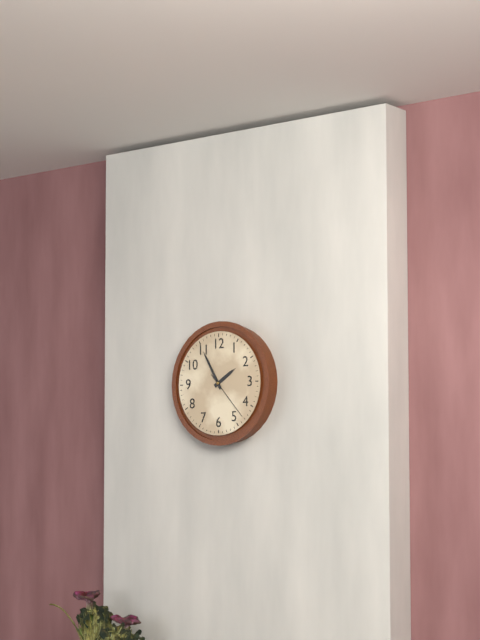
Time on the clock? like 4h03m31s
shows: 1h55m23s
